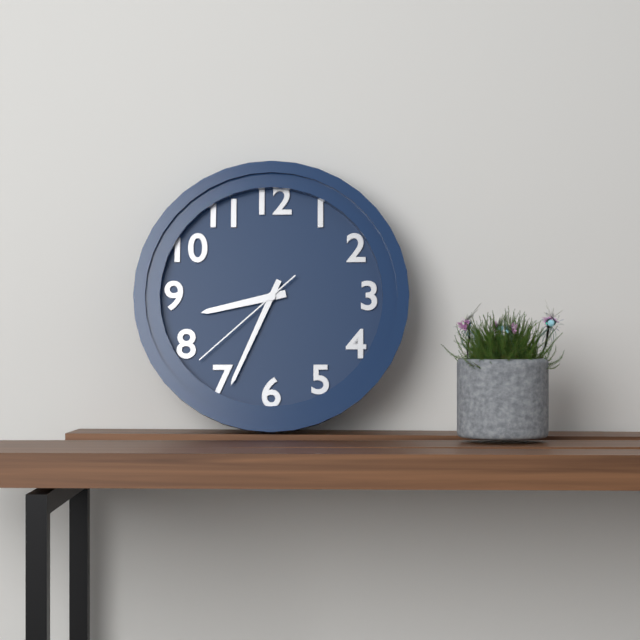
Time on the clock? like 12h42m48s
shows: 8h34m38s
